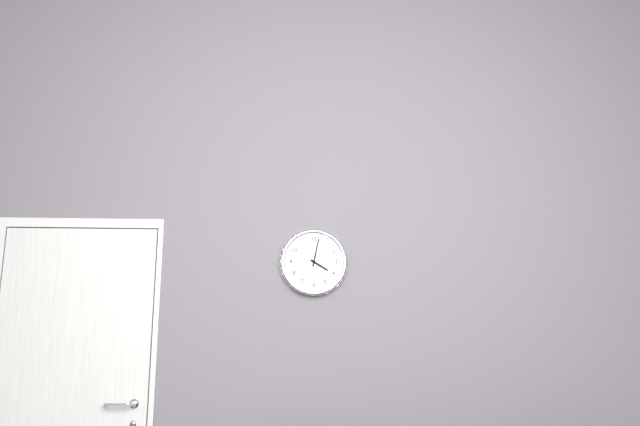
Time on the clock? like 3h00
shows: 4h02
